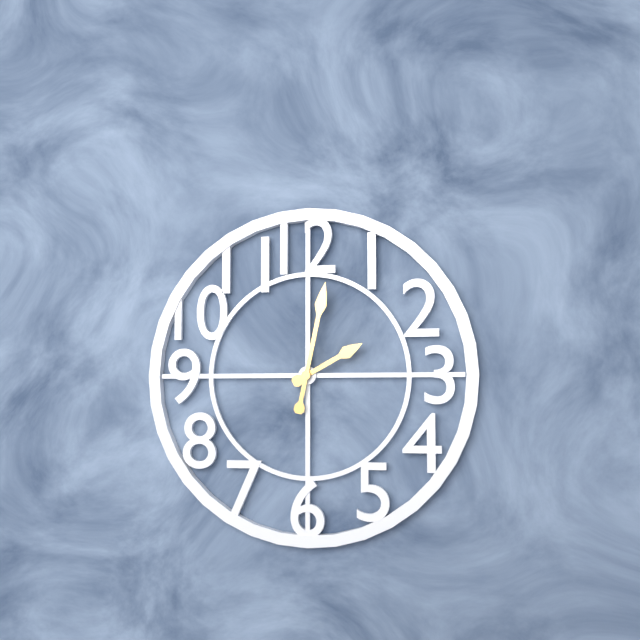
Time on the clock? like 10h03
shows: 2h02
